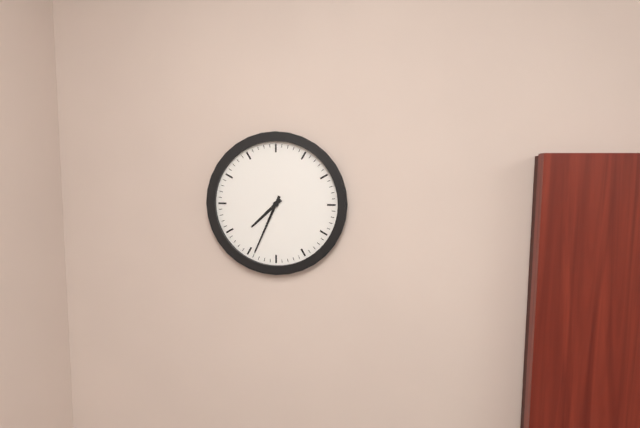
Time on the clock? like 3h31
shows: 7h34
